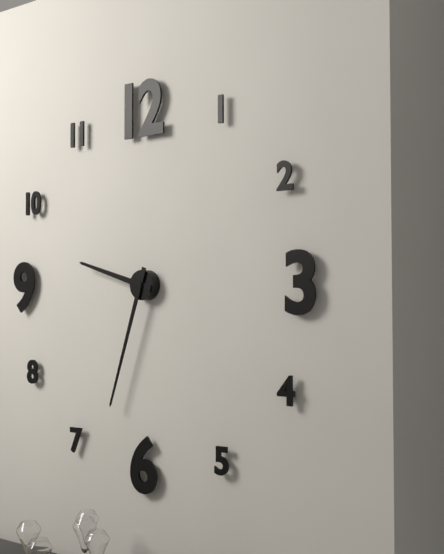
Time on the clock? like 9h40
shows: 9h33
